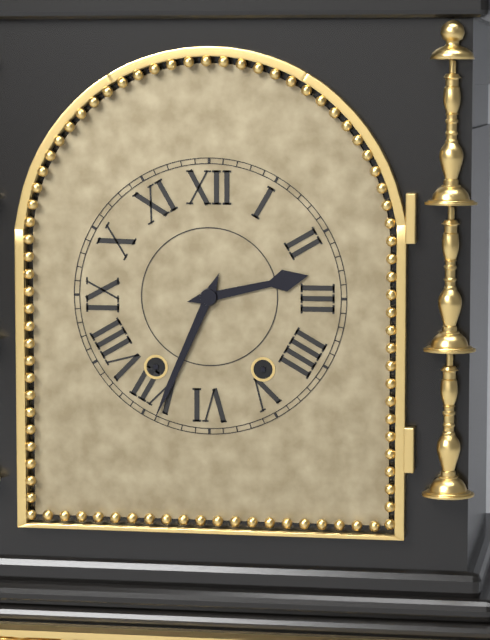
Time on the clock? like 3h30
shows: 2h34
